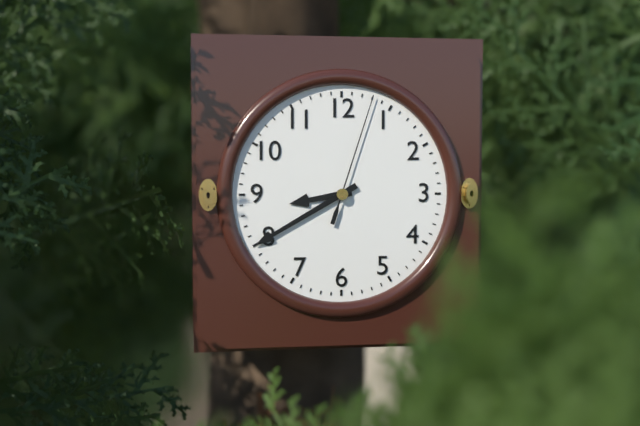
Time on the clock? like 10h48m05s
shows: 8h40m03s
